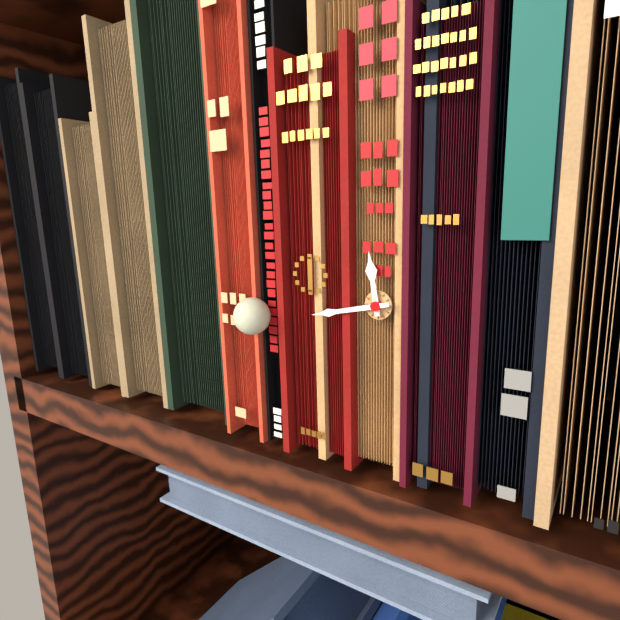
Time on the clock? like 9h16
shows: 11h43
